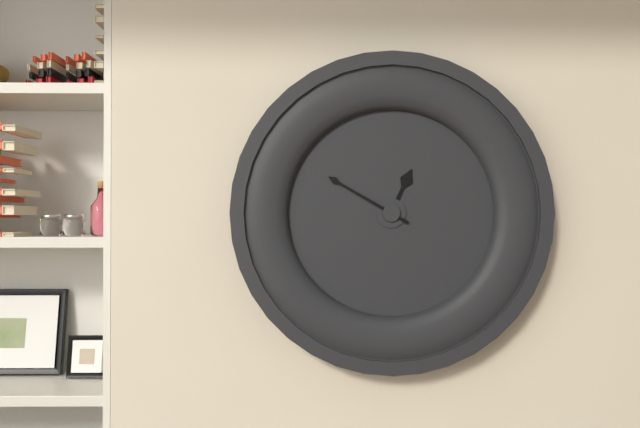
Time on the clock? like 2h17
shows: 12h50
